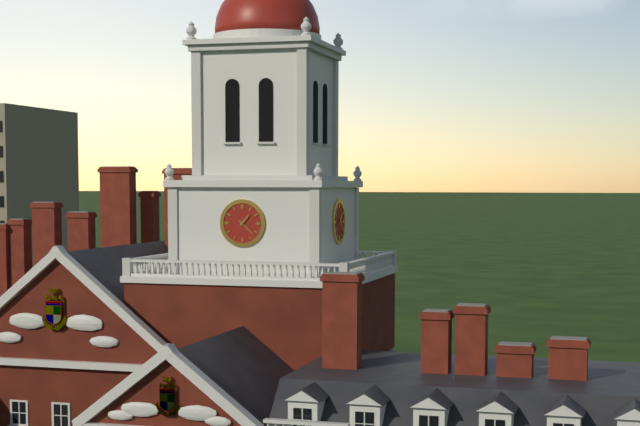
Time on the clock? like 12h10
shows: 1h22
